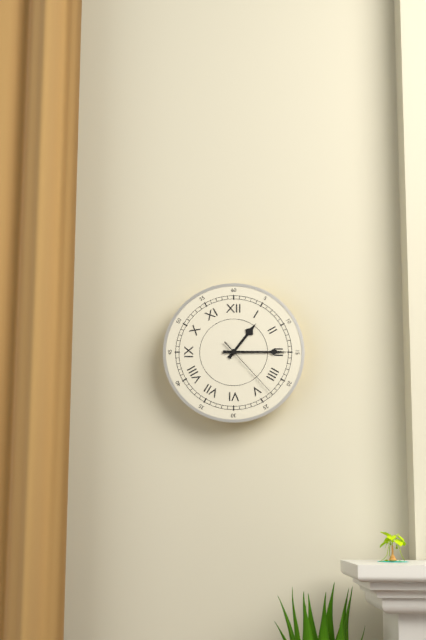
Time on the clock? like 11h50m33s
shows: 1h15m23s
